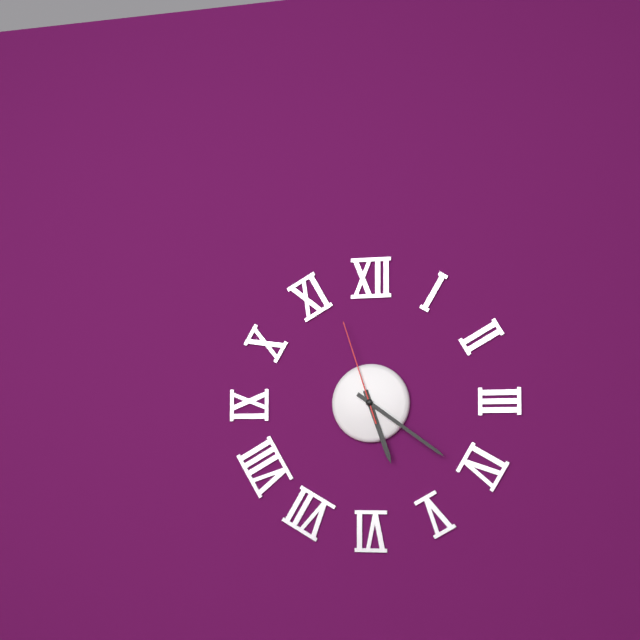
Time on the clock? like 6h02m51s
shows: 5h21m57s
